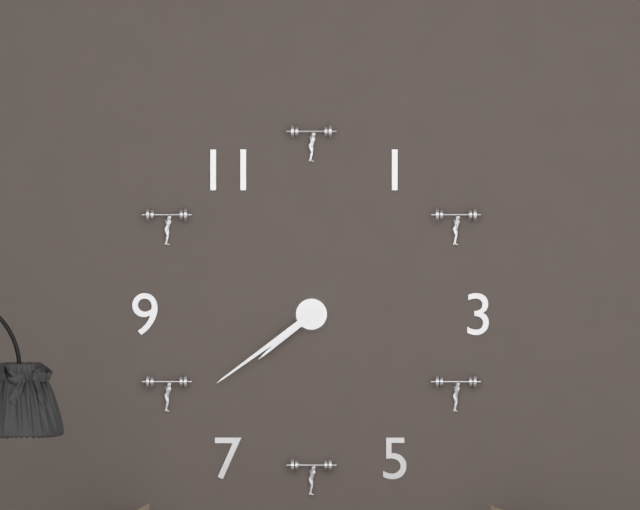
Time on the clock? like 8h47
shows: 7h39
